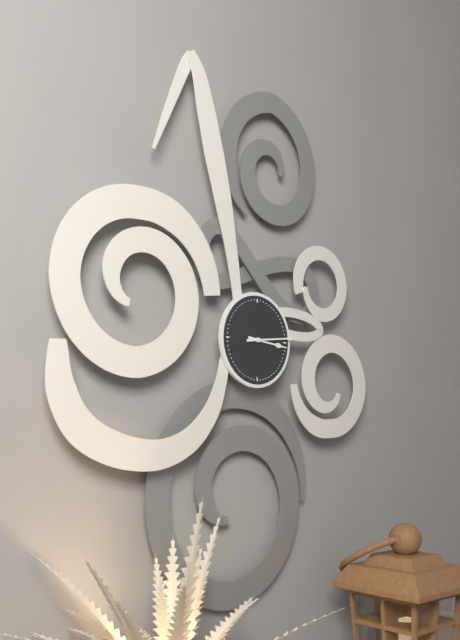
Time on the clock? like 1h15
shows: 3h14
